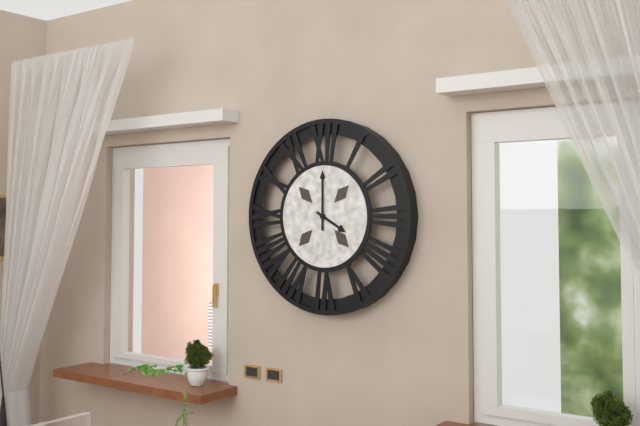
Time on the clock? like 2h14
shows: 4h00
